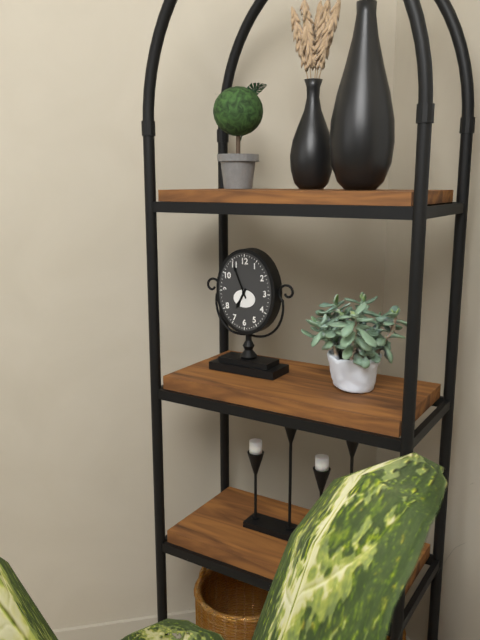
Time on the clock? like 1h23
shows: 6h56
